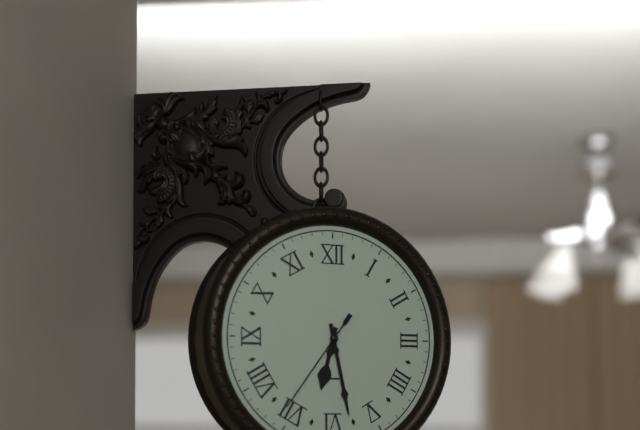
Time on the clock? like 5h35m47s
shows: 6h28m36s
